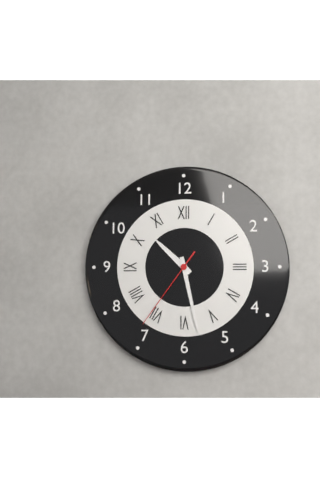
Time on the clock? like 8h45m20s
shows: 10h28m36s
